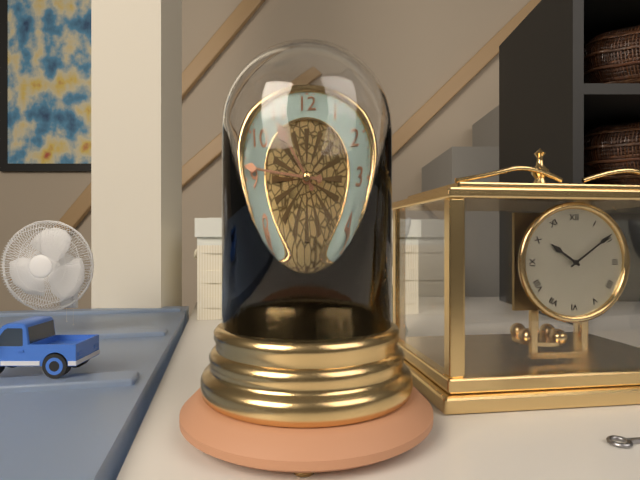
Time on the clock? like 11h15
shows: 10h46
